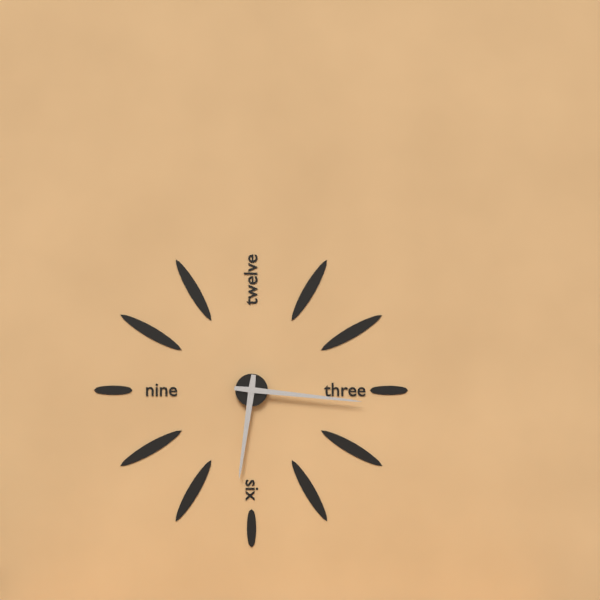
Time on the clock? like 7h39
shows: 6h16
